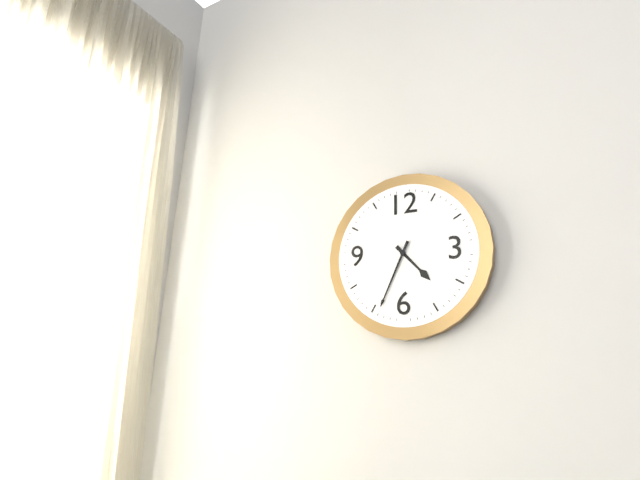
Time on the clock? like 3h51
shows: 4h34
